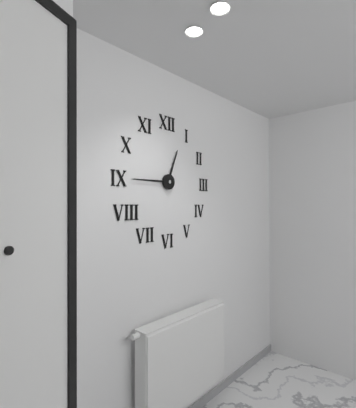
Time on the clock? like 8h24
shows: 12h45
